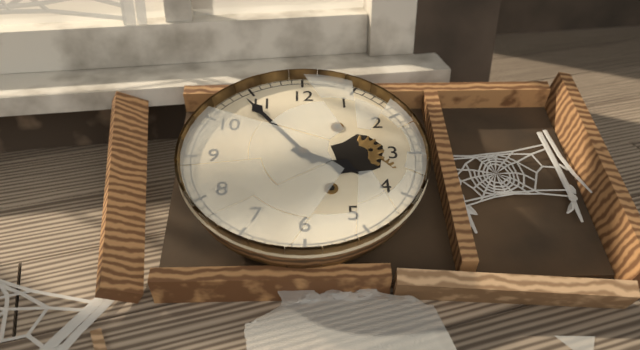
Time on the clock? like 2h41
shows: 3h54
